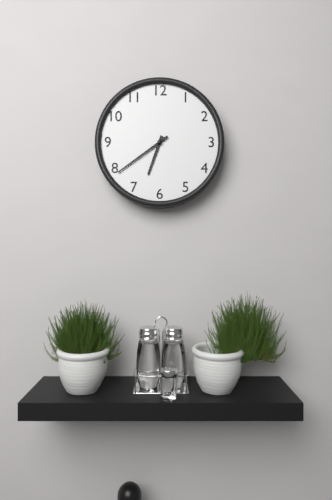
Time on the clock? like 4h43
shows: 6h39
